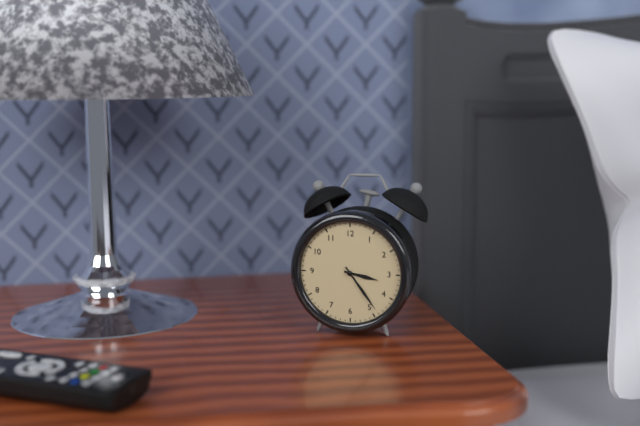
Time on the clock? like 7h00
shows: 3h24
